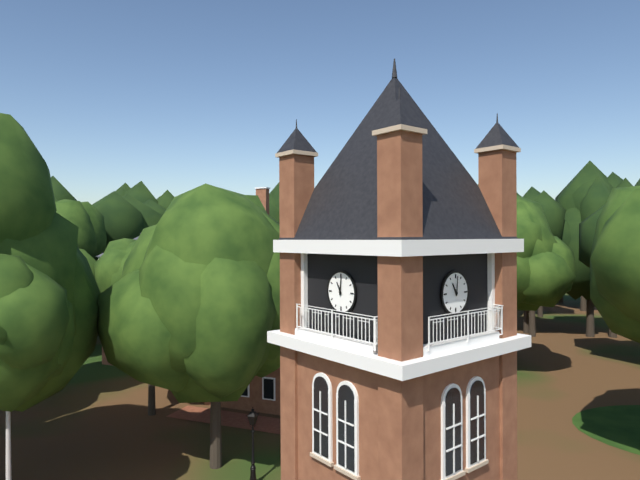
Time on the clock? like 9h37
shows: 11h01
